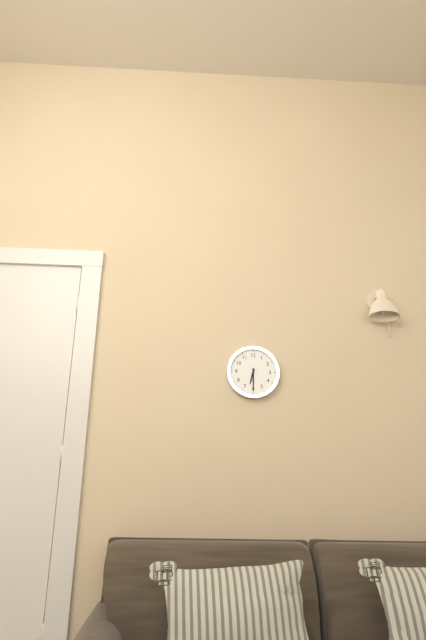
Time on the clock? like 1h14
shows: 6h30
